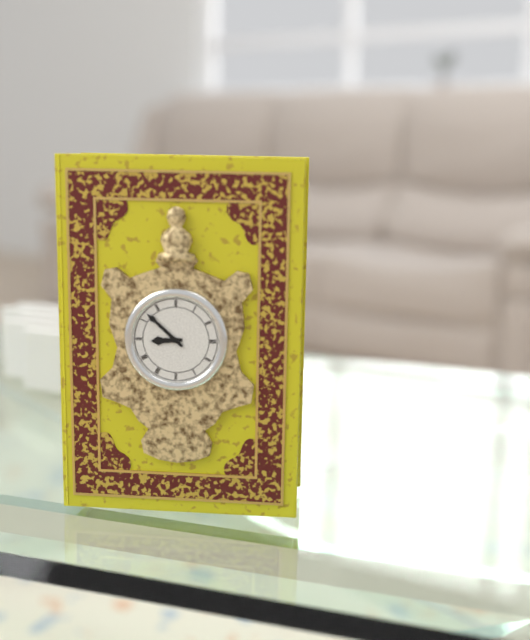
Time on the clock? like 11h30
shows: 8h52
